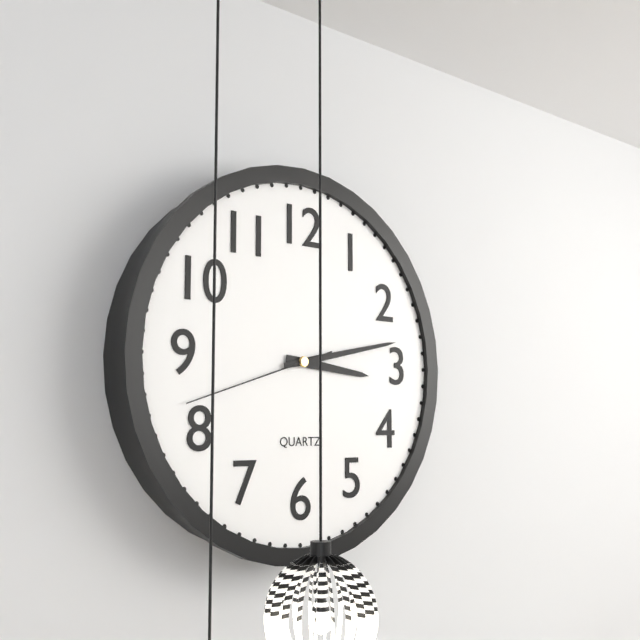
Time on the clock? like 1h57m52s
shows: 3h13m42s
